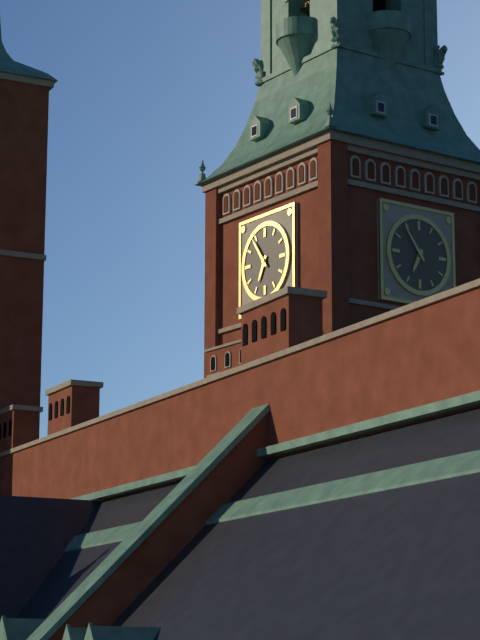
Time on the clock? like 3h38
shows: 6h54
